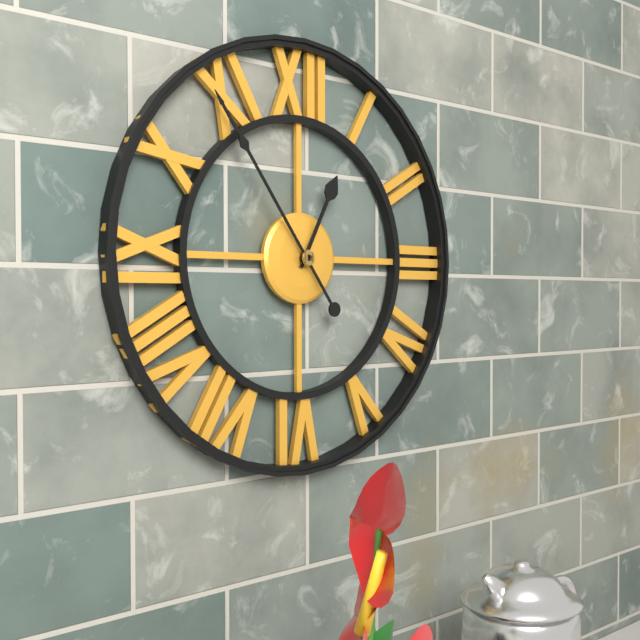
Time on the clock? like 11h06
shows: 12h54
